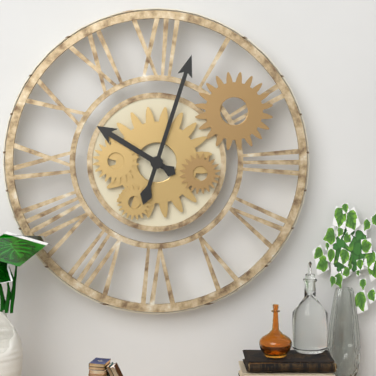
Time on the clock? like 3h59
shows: 10h03
